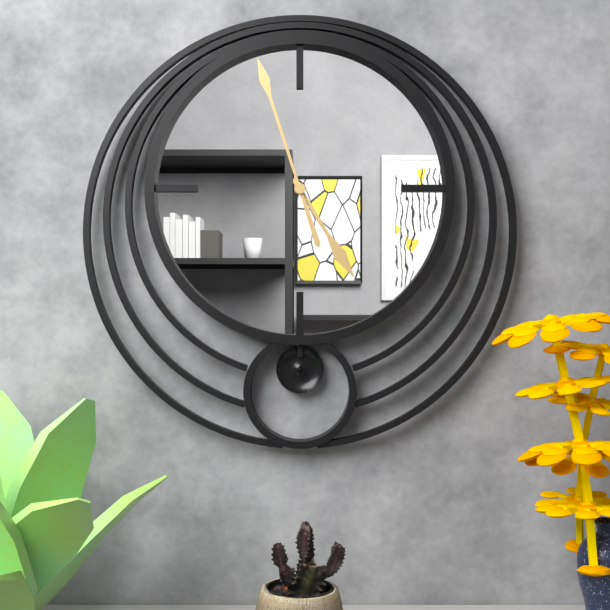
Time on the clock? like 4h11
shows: 4h57
